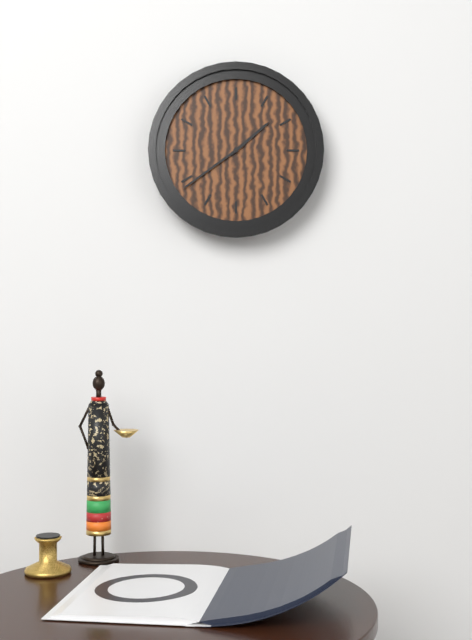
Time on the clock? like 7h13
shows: 1h39
